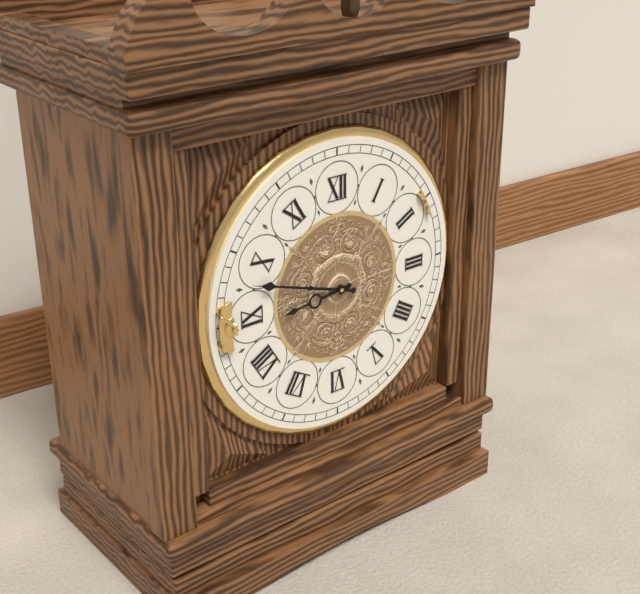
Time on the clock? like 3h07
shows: 8h48
